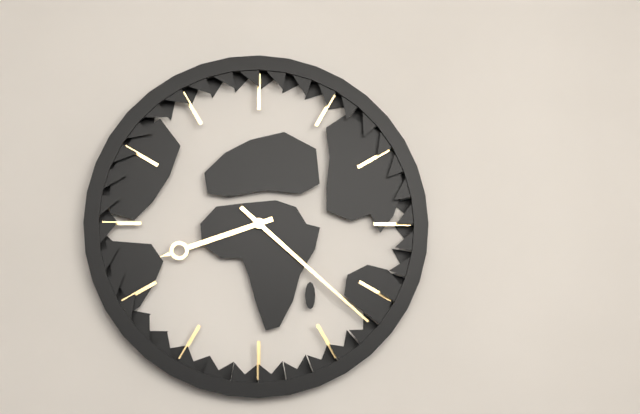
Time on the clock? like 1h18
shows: 8h22
